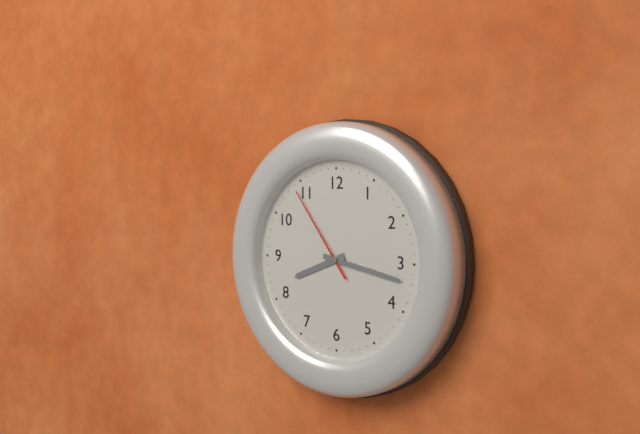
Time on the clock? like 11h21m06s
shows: 8h17m54s
